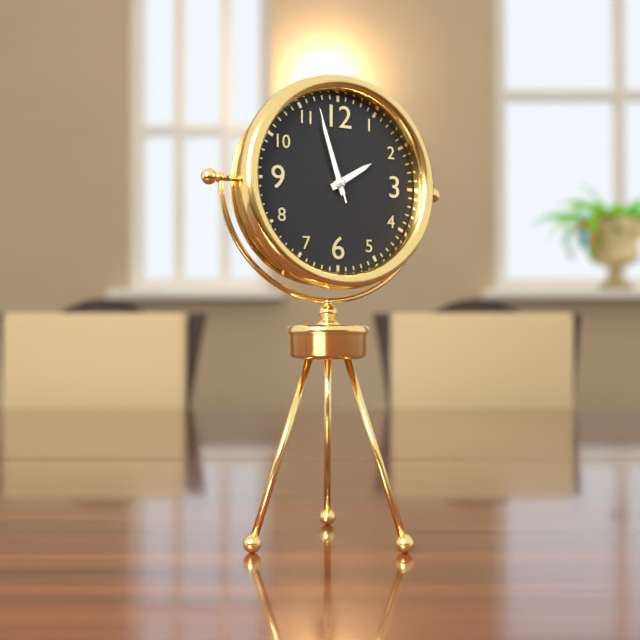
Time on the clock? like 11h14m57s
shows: 1h57m57s
